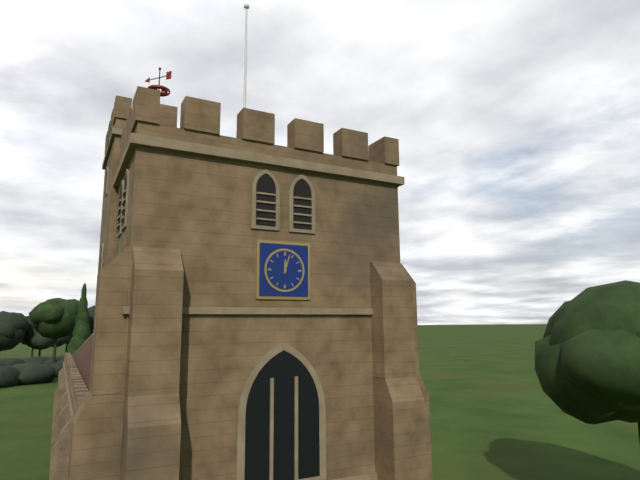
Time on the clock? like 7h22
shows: 12h03
